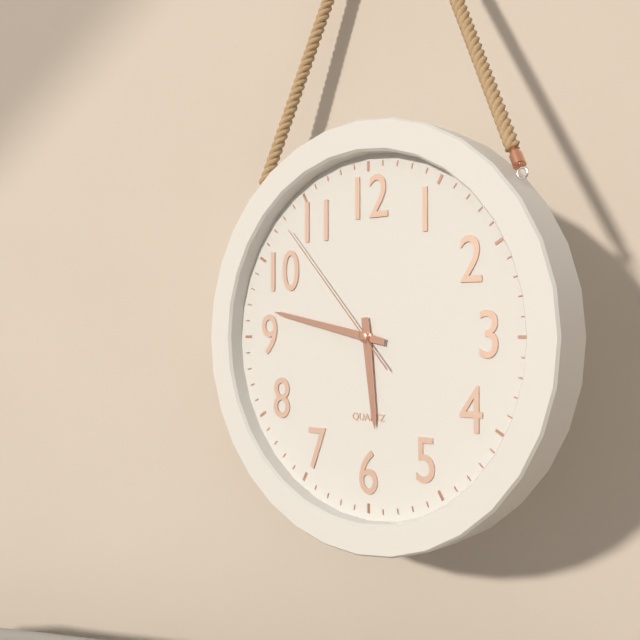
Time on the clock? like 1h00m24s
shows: 5h47m53s
